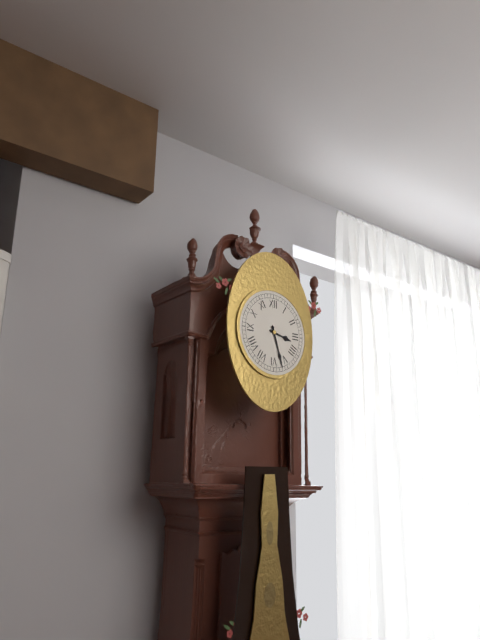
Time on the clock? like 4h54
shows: 3h27
